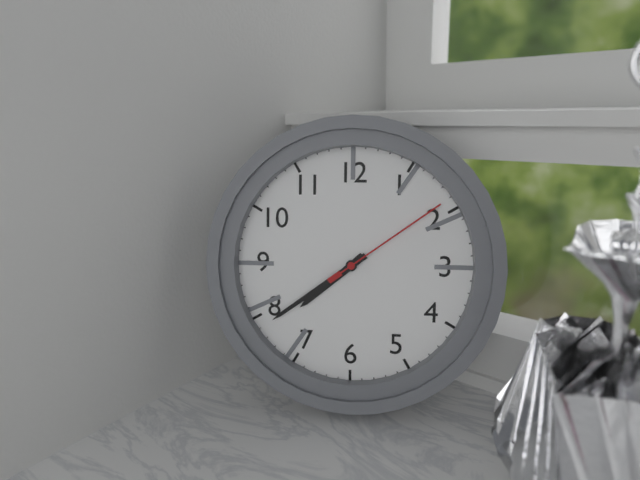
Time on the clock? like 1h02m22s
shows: 7h39m09s
